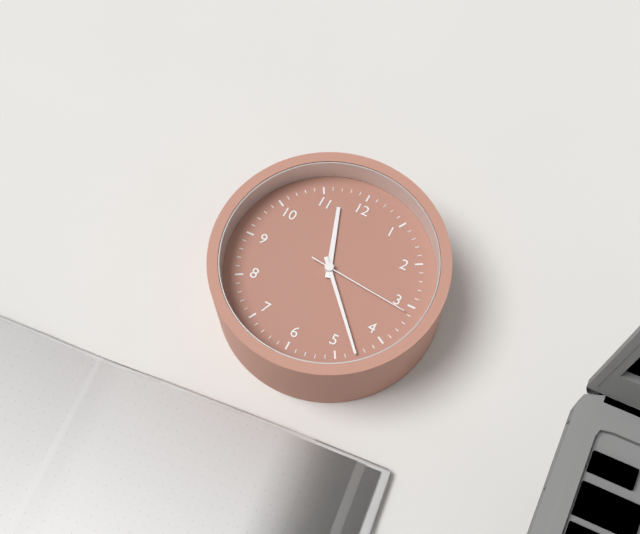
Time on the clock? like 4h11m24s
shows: 11h23m16s
